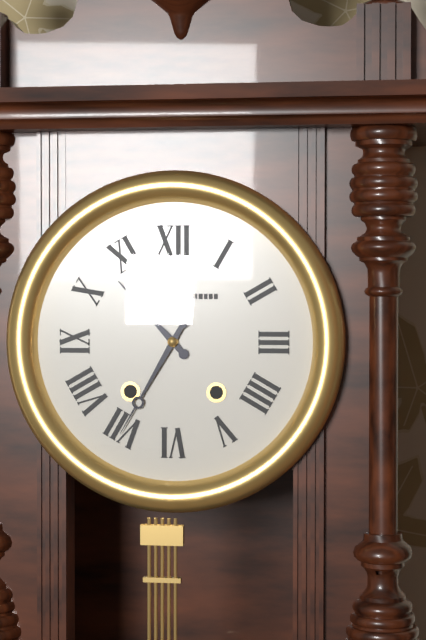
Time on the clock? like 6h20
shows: 10h35
